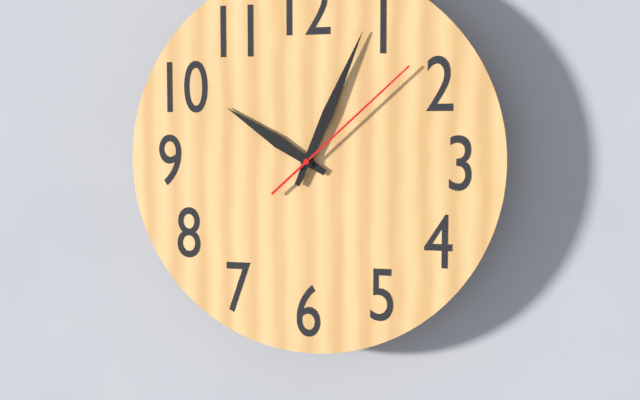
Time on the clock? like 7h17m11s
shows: 10h04m08s
